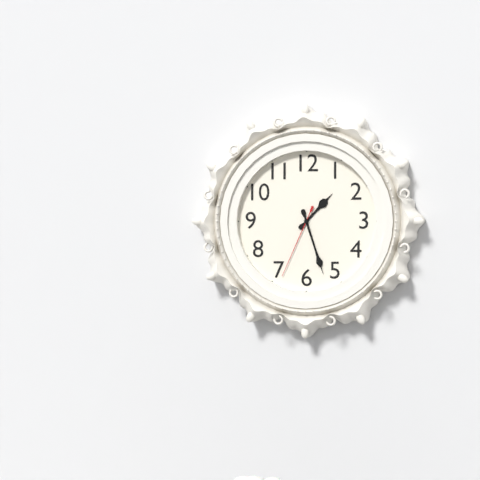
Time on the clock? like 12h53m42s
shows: 1h27m34s
